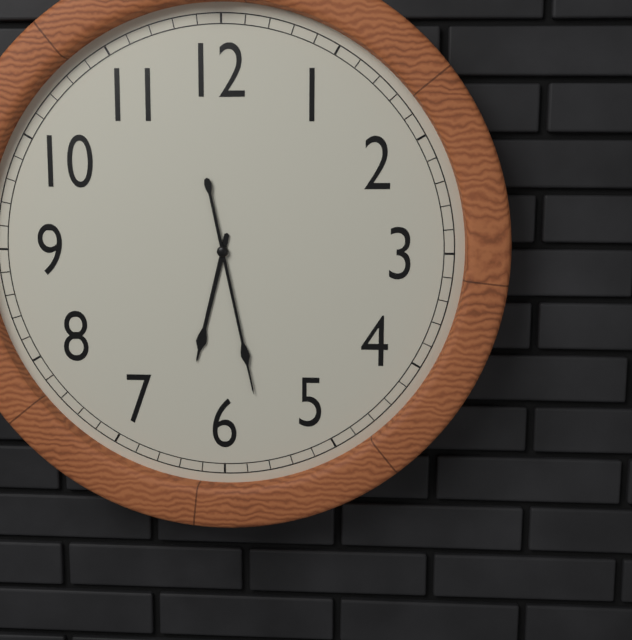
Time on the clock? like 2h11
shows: 6h28
